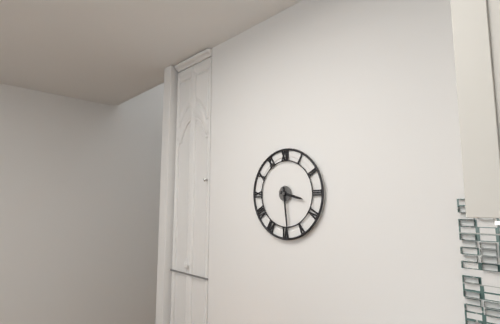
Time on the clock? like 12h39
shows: 3h29
